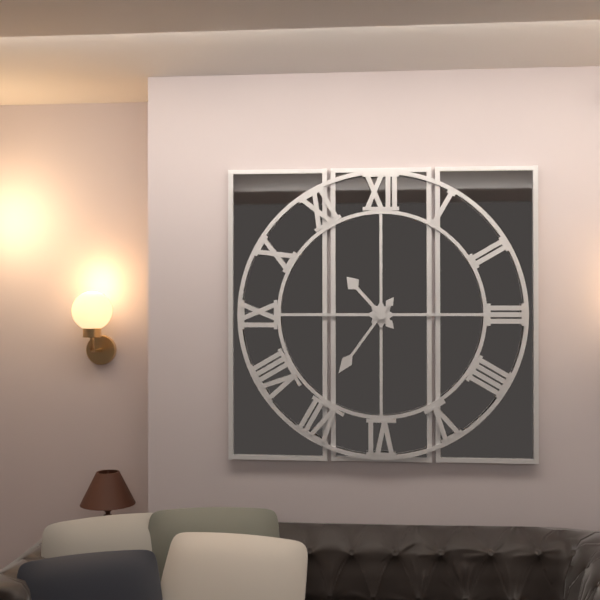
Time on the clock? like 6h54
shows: 10h36
